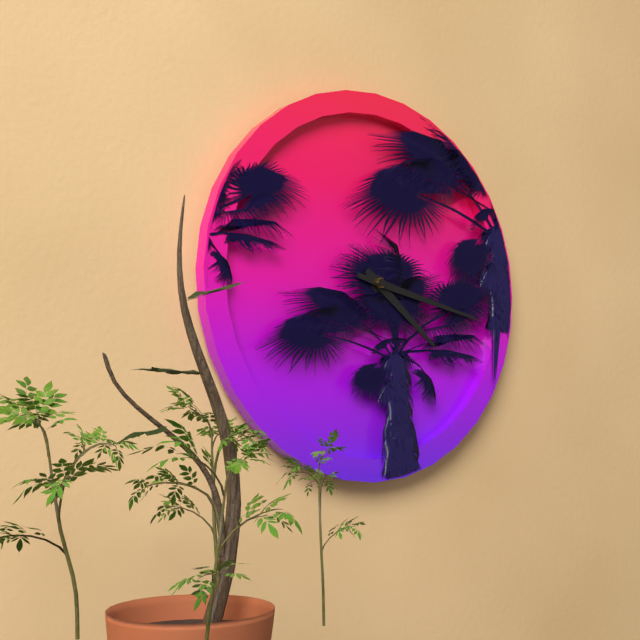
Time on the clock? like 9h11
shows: 4h17
